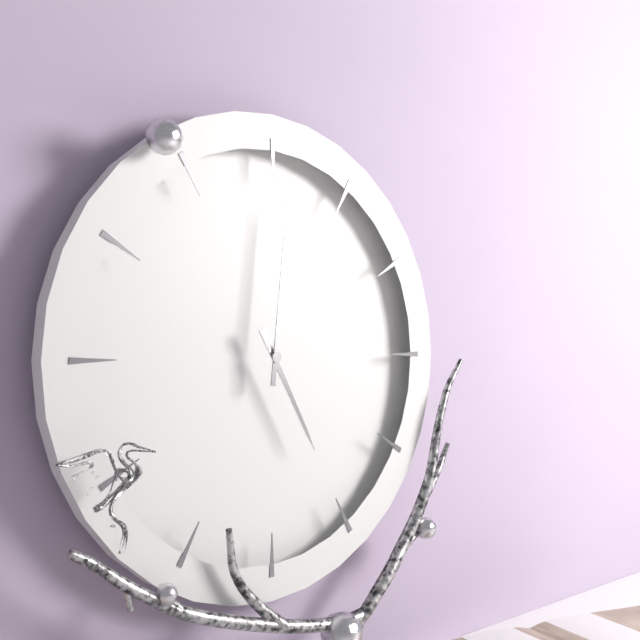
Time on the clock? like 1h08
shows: 5h01
